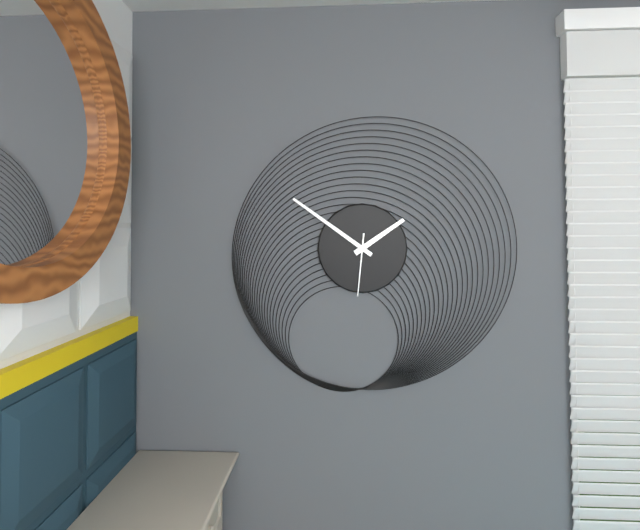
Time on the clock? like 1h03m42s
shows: 1h51m31s
